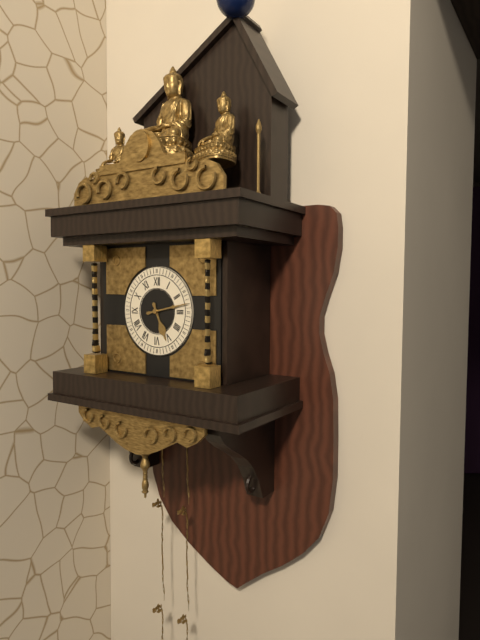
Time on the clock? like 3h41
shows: 5h13
